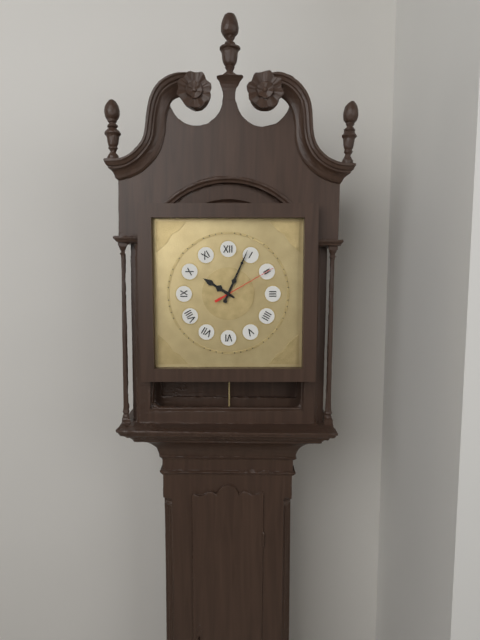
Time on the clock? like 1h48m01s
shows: 10h04m10s
